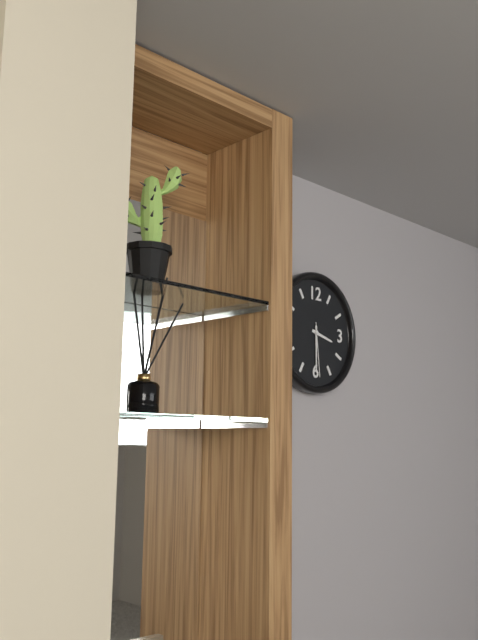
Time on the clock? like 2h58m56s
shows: 3h30m29s
